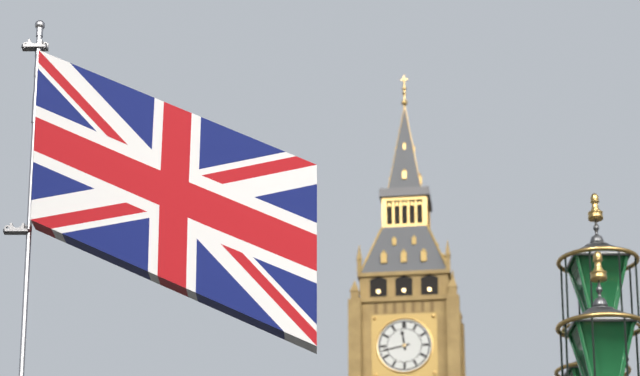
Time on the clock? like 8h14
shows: 11h43
